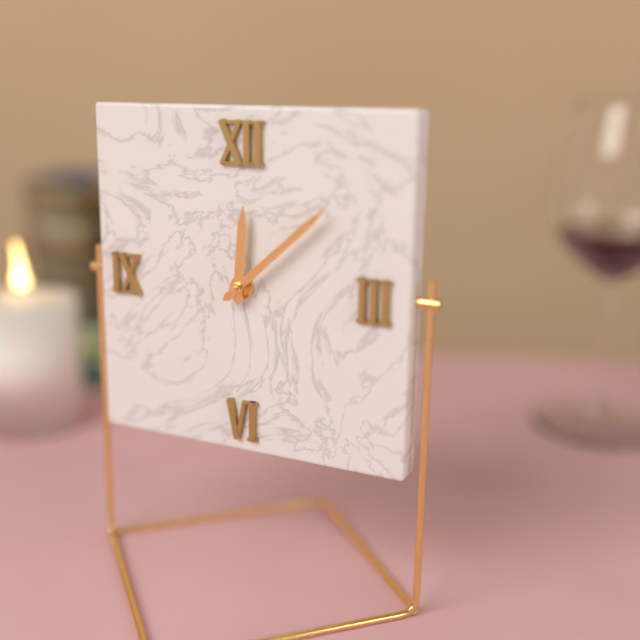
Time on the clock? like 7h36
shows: 12h08
